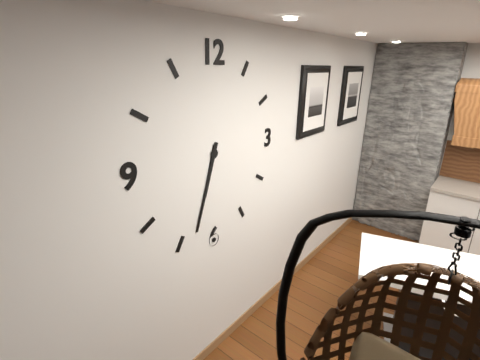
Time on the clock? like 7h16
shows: 6h33
